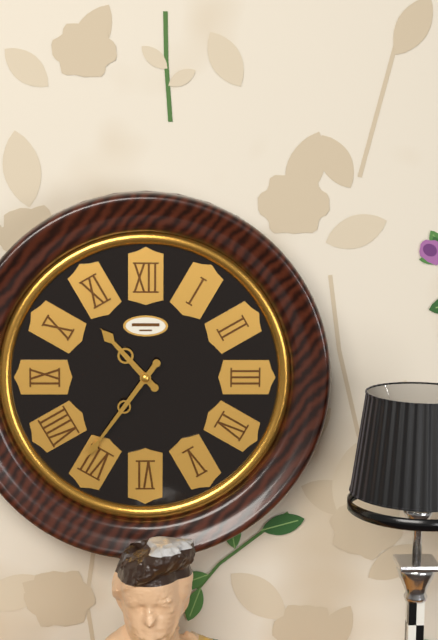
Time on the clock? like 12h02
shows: 10h36
